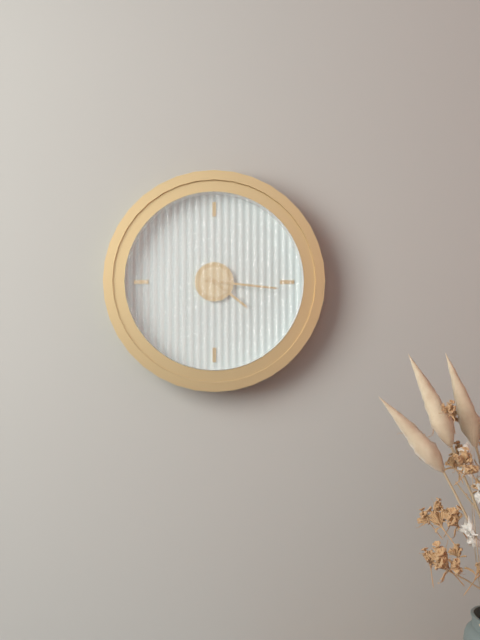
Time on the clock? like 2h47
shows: 4h16
